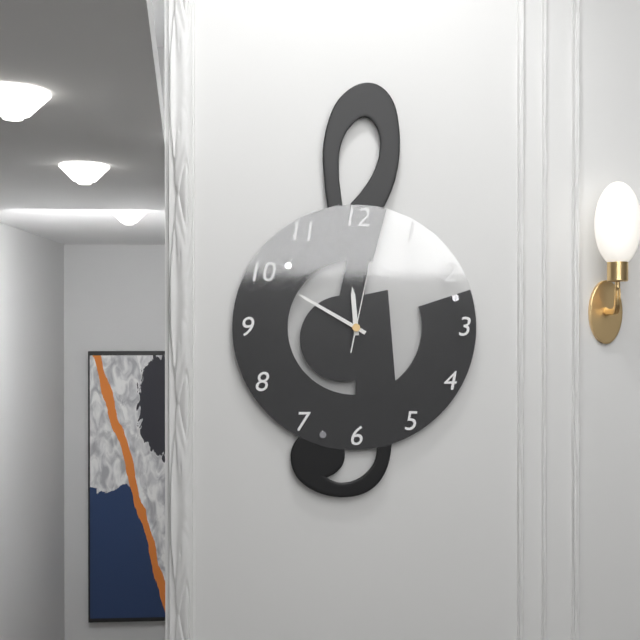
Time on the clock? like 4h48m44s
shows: 11h50m02s
